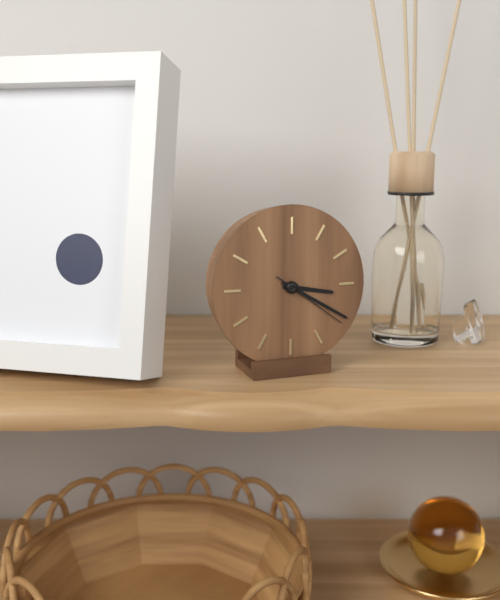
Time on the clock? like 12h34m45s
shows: 3h20m21s
